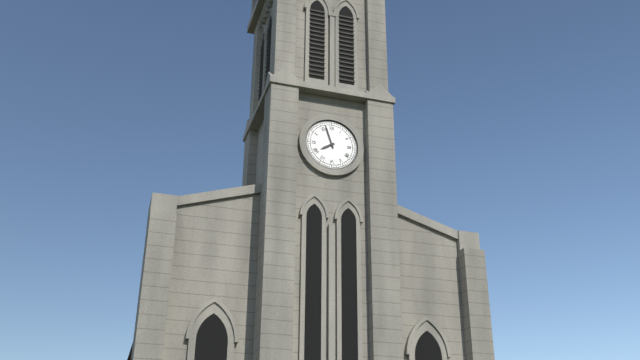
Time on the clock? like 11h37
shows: 7h57
